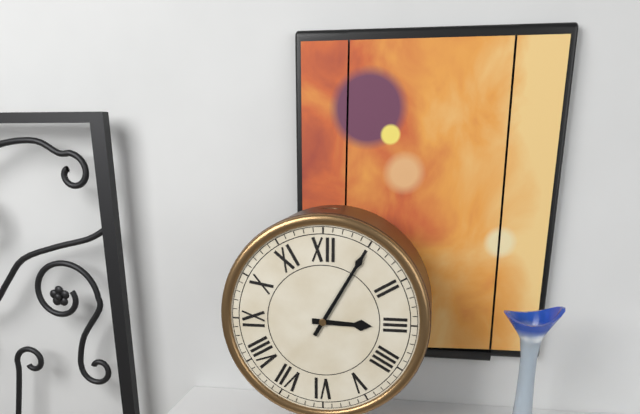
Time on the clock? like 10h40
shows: 3h05
